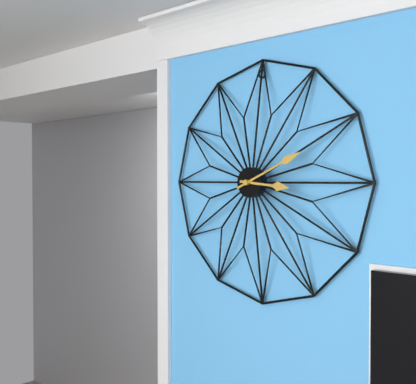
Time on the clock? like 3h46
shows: 3h11
